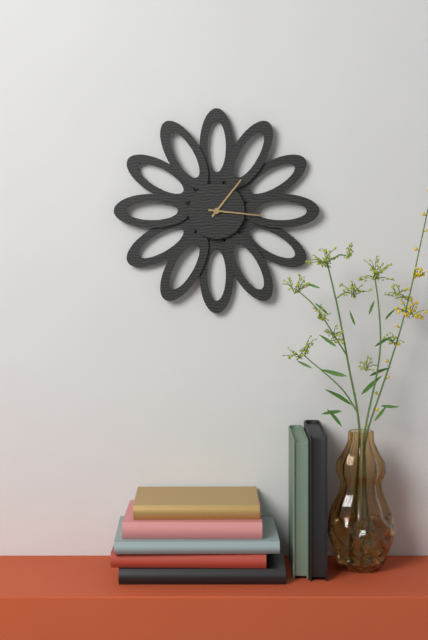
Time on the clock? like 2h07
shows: 1h16
